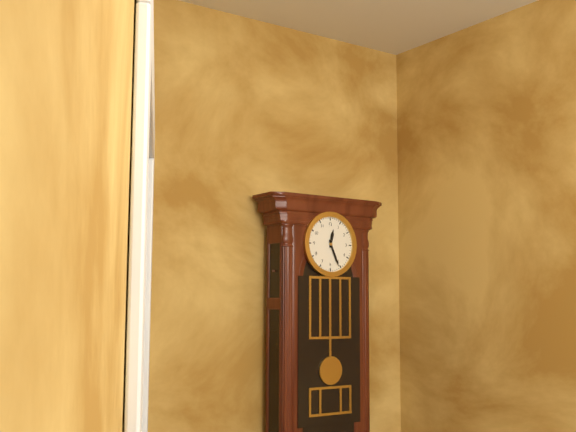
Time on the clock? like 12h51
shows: 12h26
